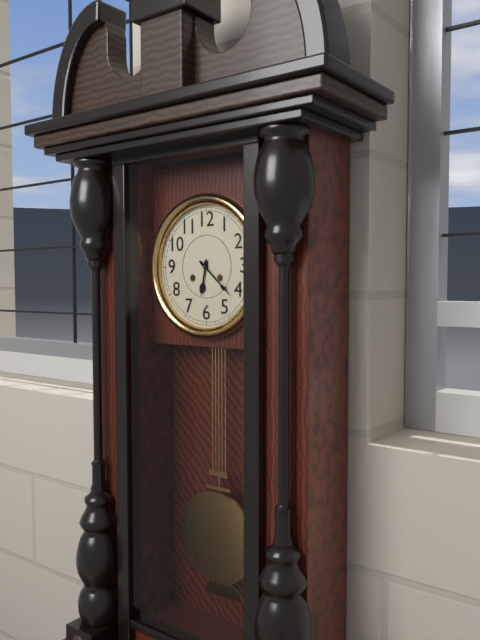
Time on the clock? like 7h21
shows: 6h22
